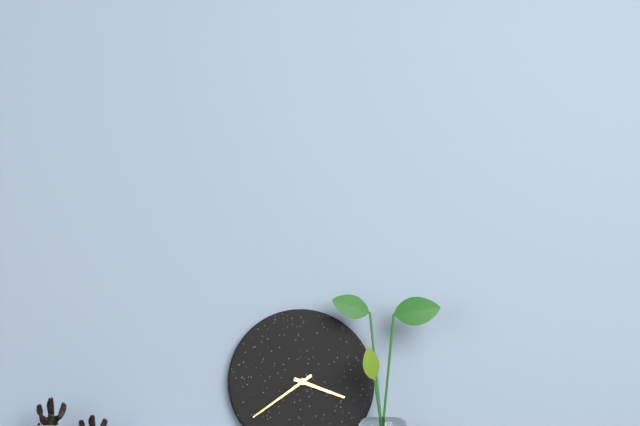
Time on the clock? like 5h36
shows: 3h39
